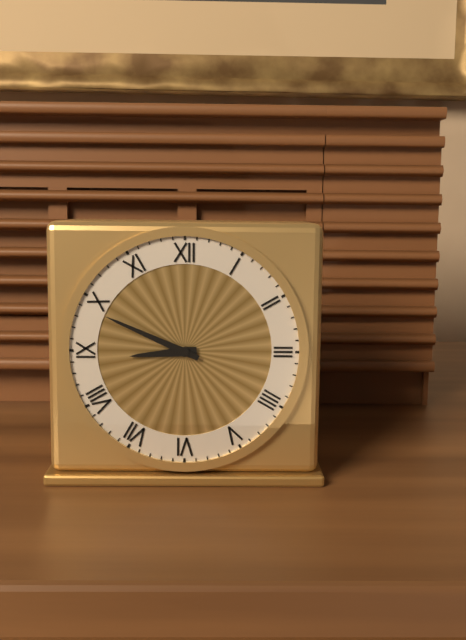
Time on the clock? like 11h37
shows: 8h49
